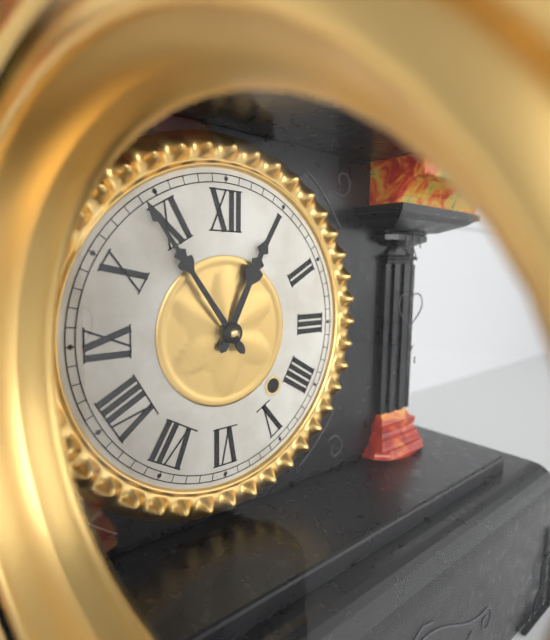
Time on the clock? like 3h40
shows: 12h54
